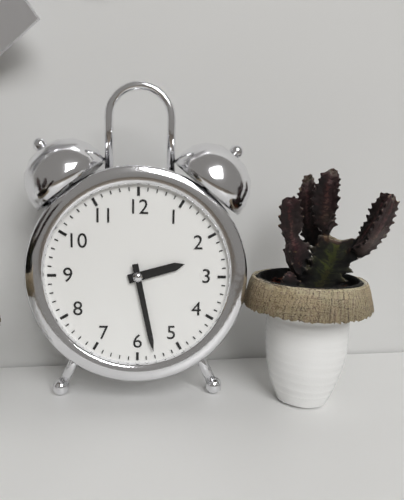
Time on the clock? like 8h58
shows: 2h28
